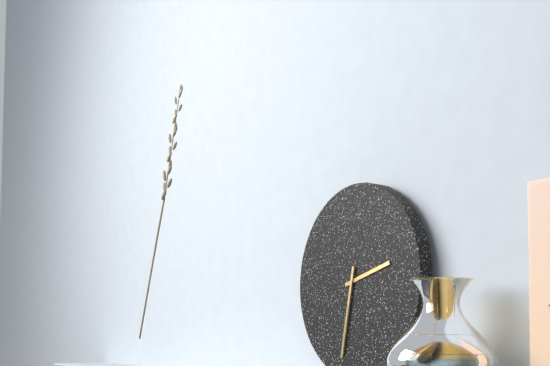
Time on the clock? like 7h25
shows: 2h32
